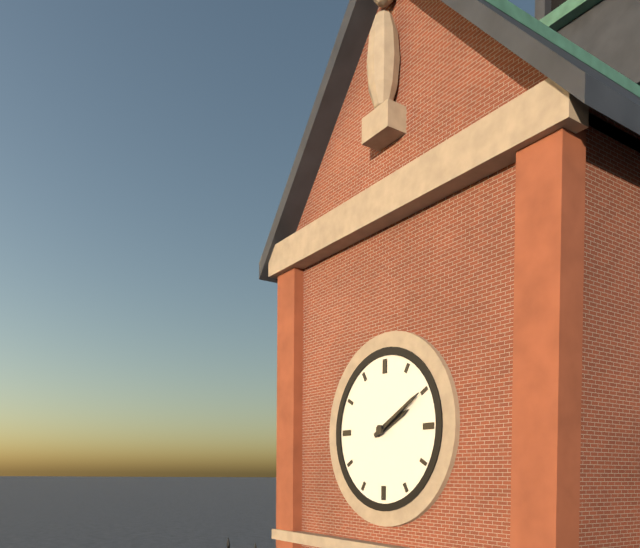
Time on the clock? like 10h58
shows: 2h10
